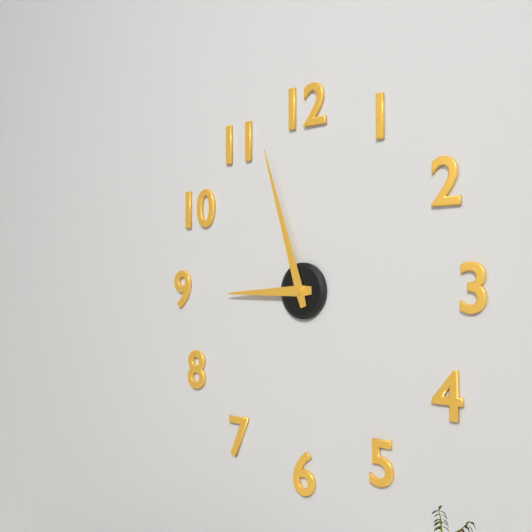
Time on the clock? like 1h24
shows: 8h57
